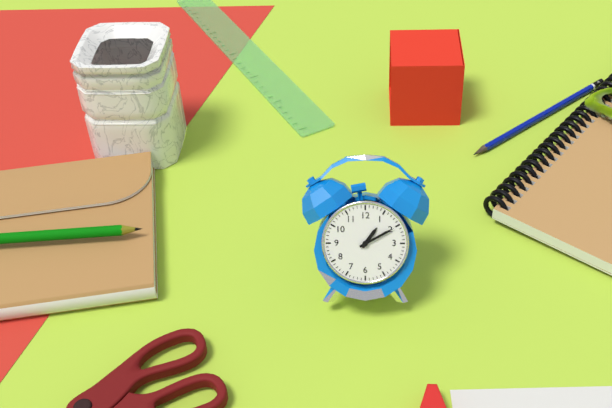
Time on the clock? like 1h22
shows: 1h10
